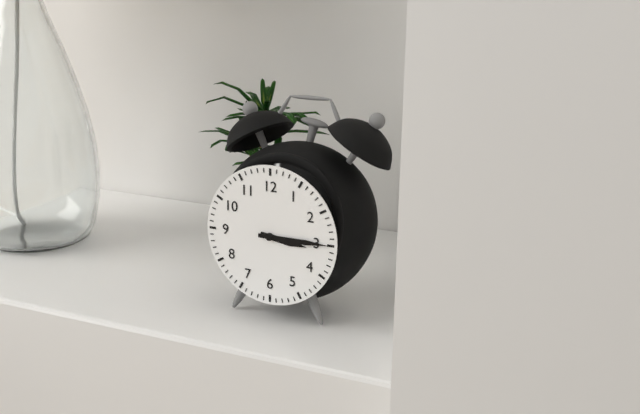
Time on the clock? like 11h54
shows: 3h15
